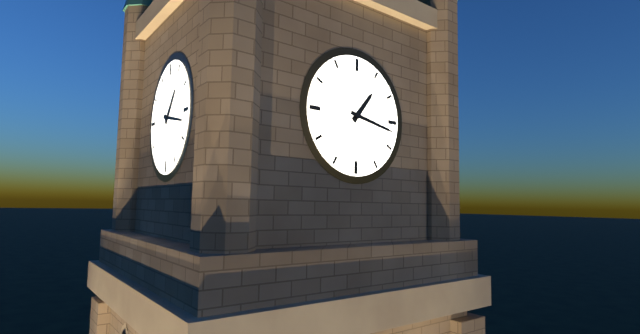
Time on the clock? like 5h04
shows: 1h17
